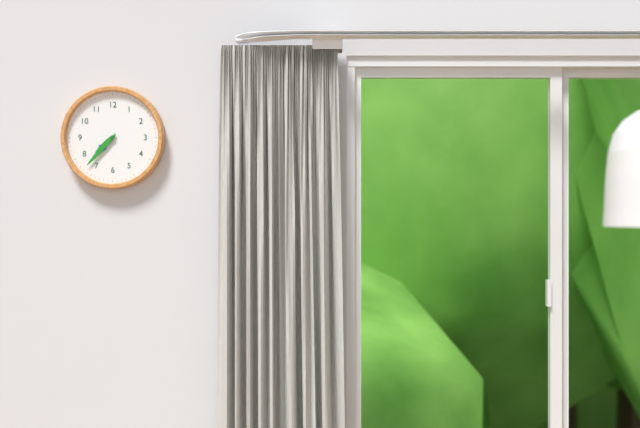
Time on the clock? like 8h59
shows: 7h37
